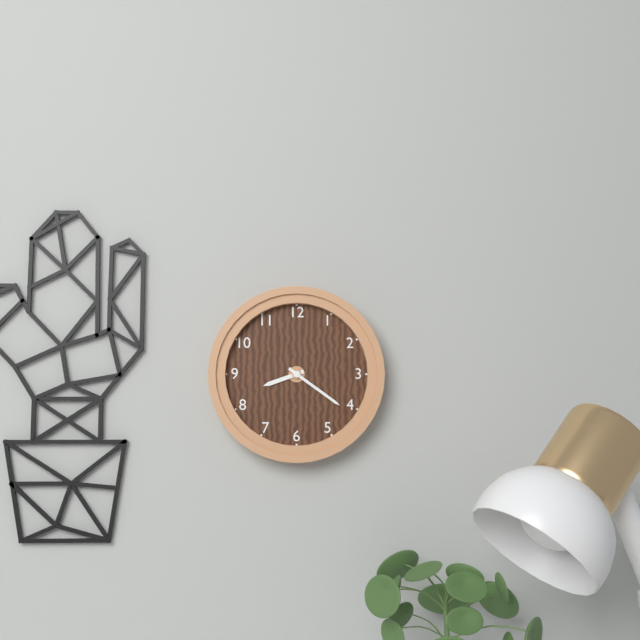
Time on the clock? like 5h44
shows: 8h21
